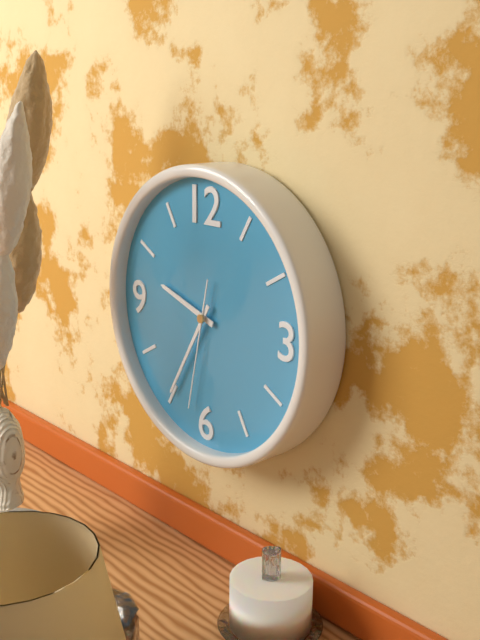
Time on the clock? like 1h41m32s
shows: 9h35m32s
